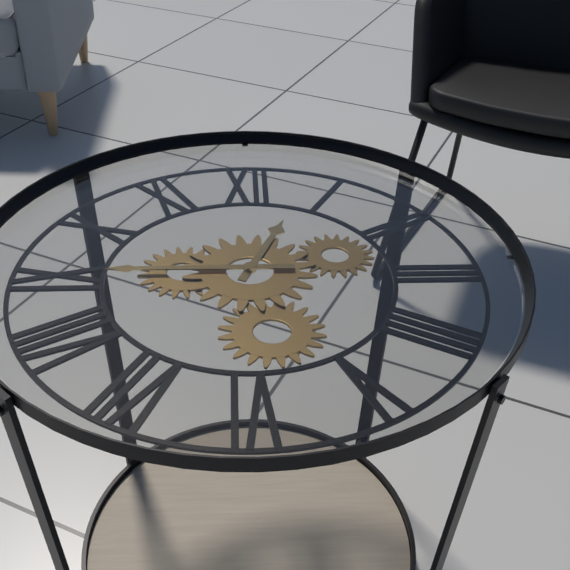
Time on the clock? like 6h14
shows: 12h45
